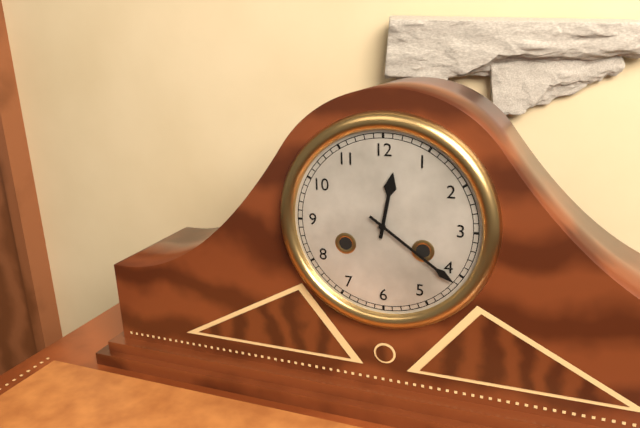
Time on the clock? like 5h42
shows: 12h21
